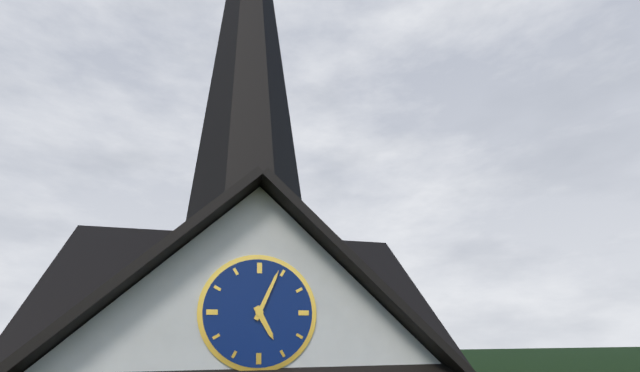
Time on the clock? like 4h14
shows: 5h04
